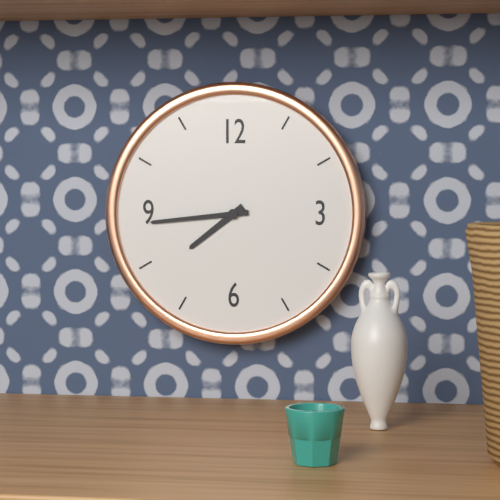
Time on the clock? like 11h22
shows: 7h44
